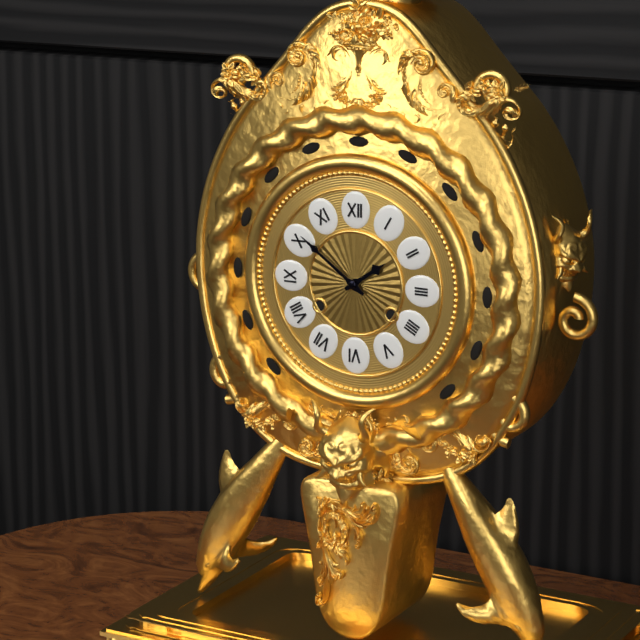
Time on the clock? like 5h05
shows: 1h51
